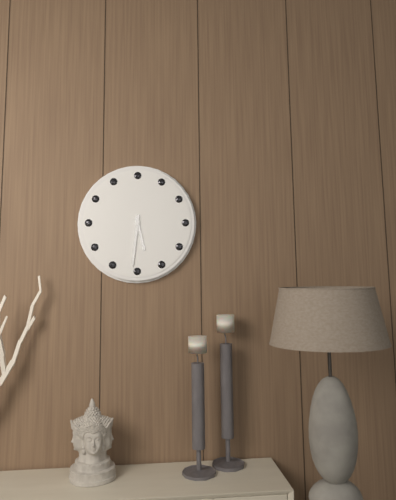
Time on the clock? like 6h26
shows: 5h31
